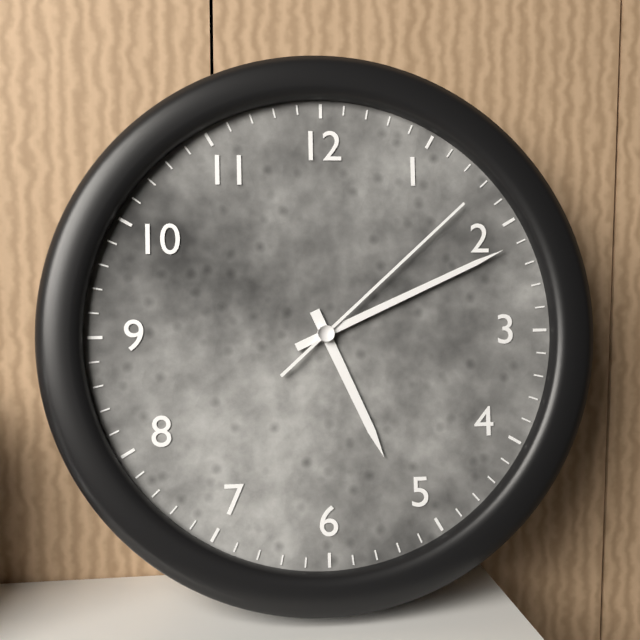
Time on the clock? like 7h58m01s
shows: 5h11m08s
